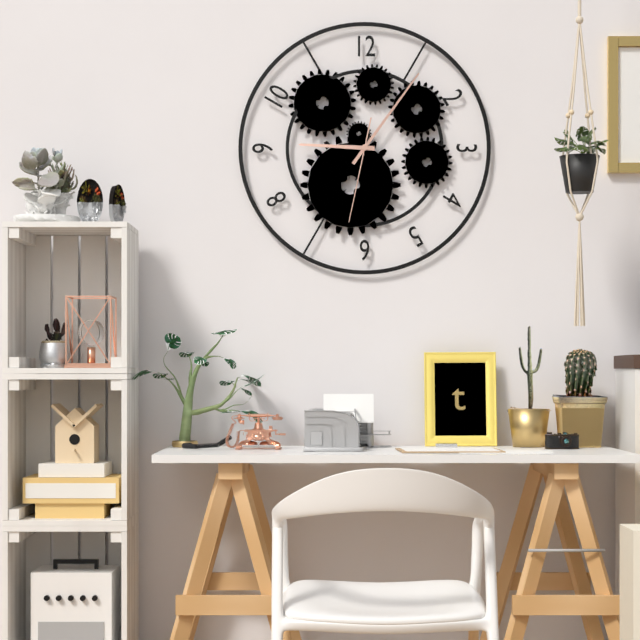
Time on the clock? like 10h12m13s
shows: 9h06m32s
